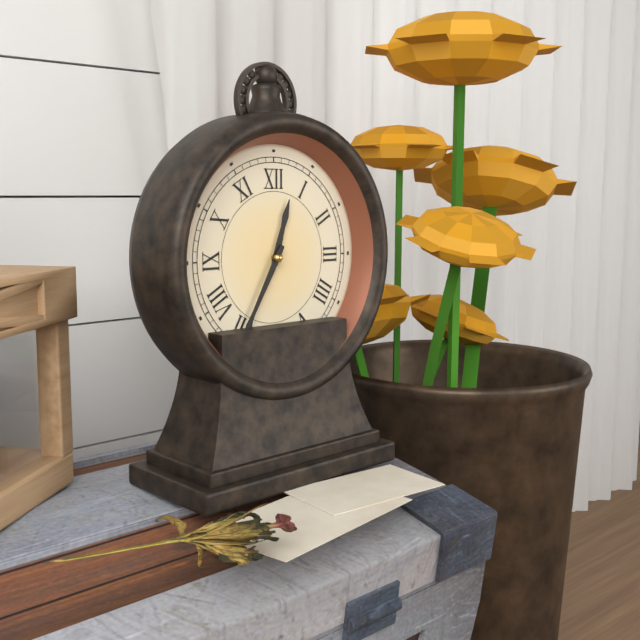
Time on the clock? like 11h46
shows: 12h35
